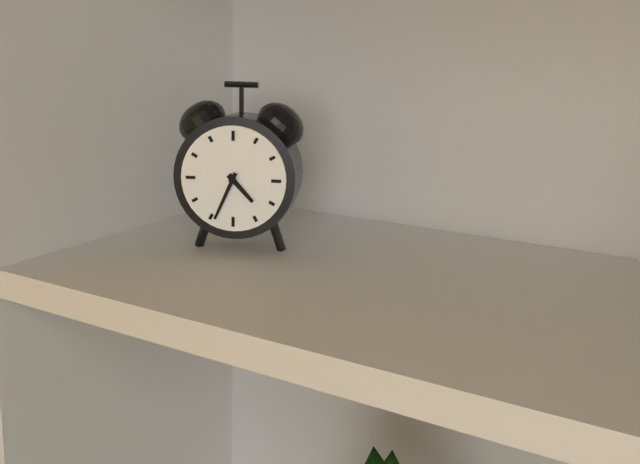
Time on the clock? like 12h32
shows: 4h34
